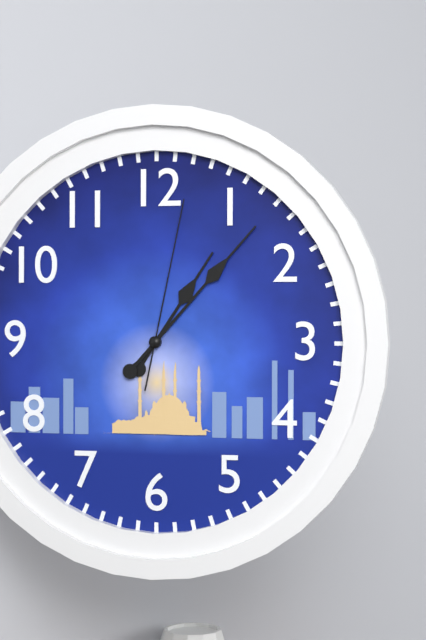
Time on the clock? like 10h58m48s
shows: 1h07m02s
